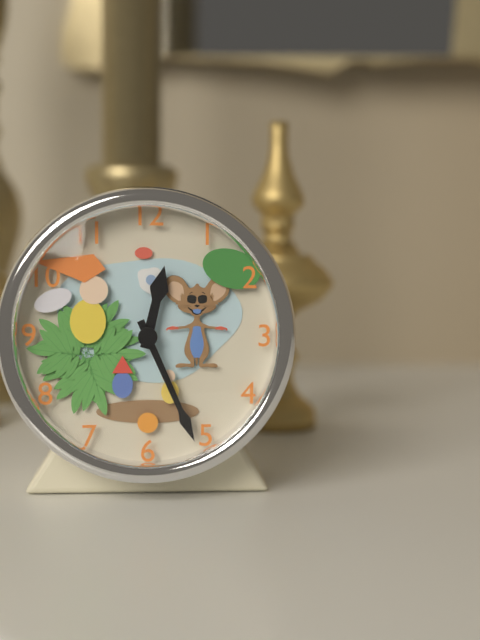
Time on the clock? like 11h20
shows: 12h26
